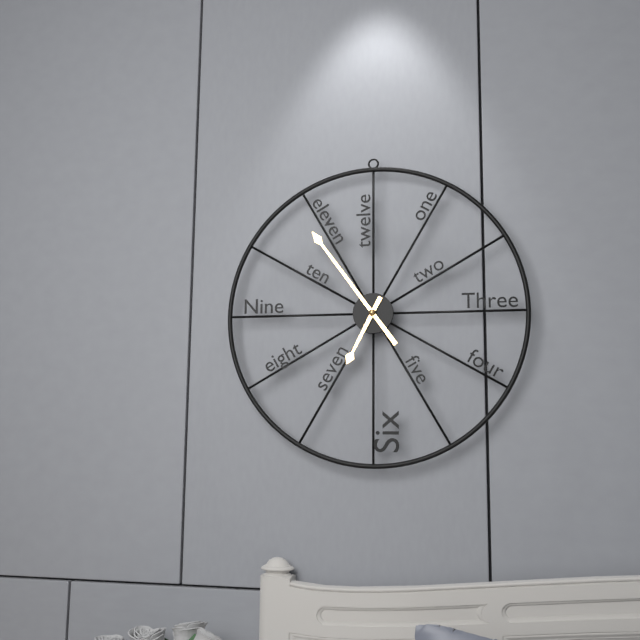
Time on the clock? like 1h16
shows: 6h54
